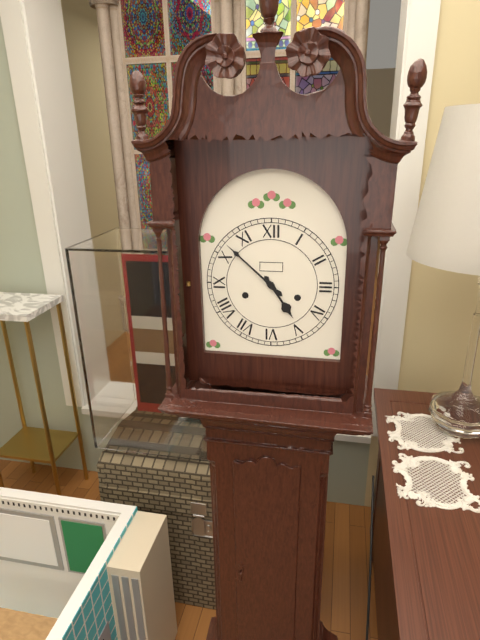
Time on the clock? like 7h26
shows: 4h52
